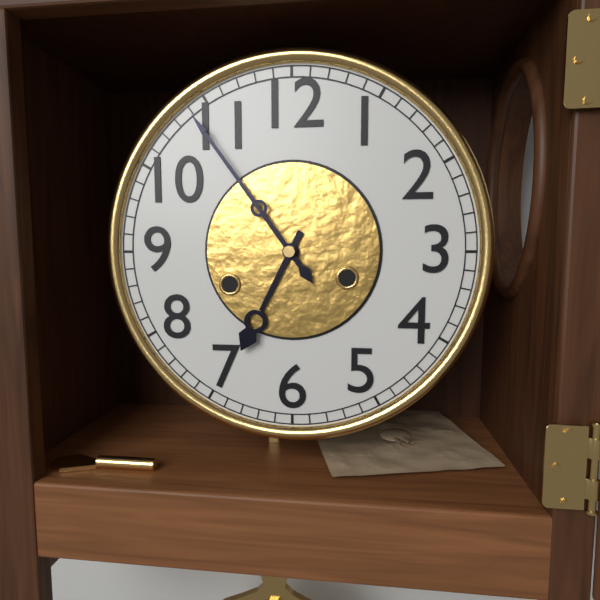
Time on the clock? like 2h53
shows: 6h54
